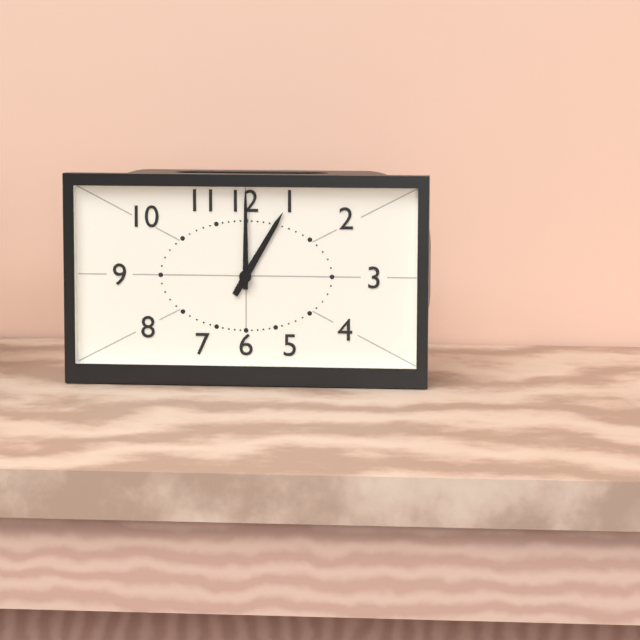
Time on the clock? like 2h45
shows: 1h00
